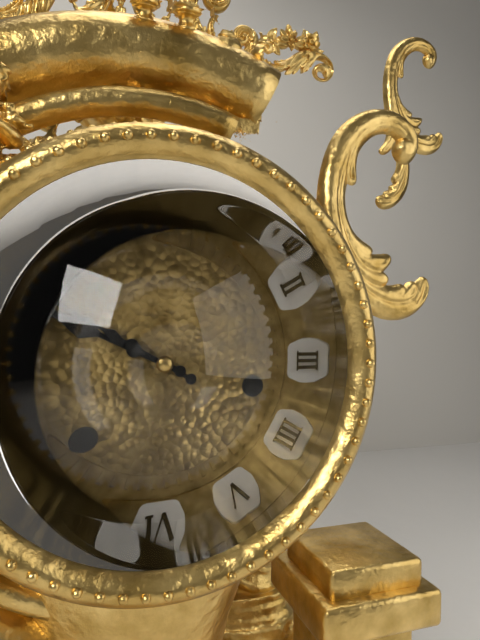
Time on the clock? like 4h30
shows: 9h50
